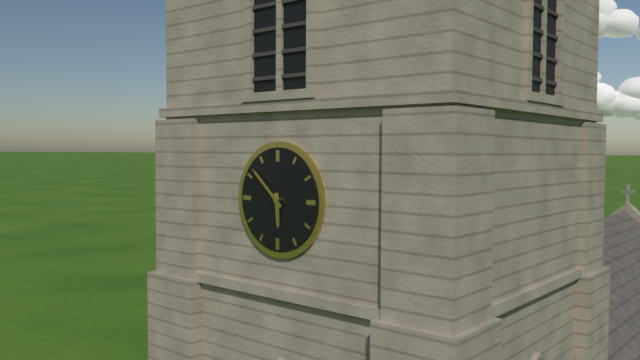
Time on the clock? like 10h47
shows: 5h52
